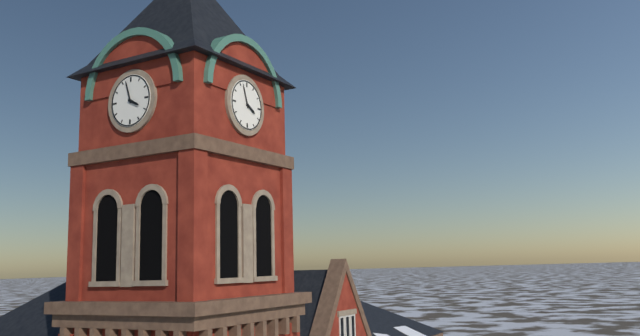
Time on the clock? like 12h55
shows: 3h57
